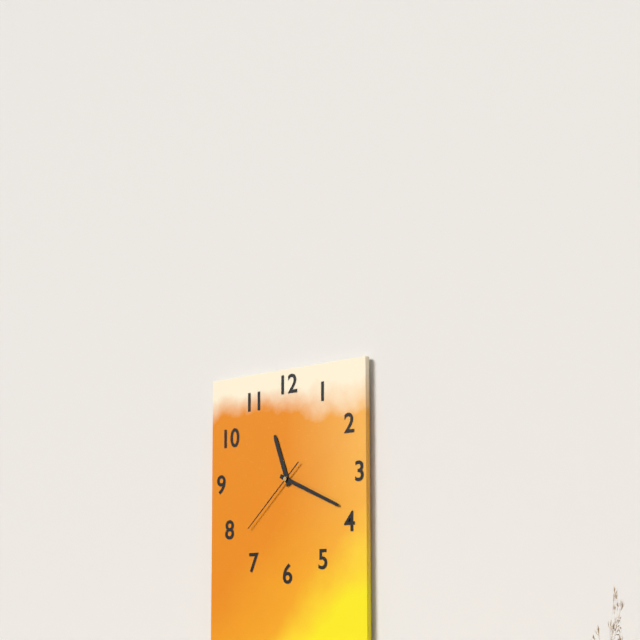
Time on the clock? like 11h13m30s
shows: 11h19m38s
